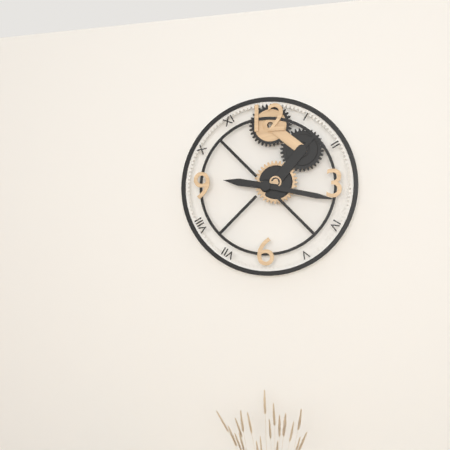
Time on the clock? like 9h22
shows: 9h17
